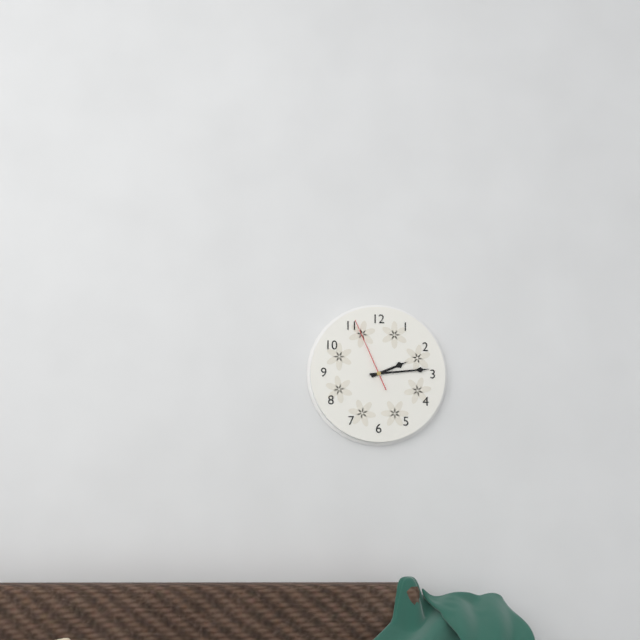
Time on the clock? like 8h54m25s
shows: 2h14m56s
